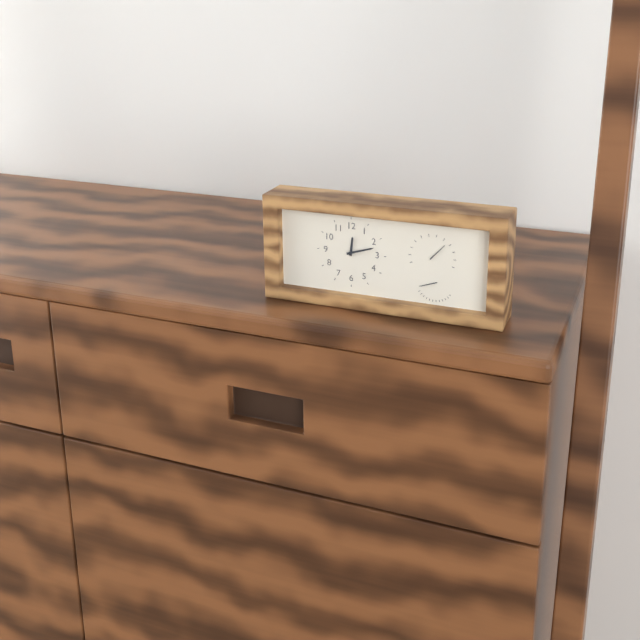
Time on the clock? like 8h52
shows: 12h12
